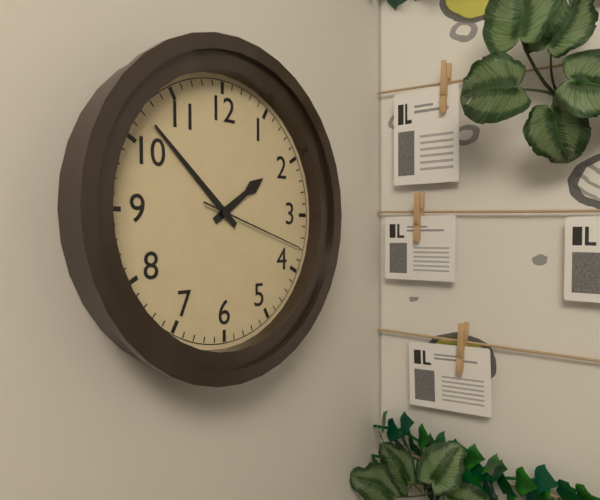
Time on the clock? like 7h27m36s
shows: 1h52m18s
